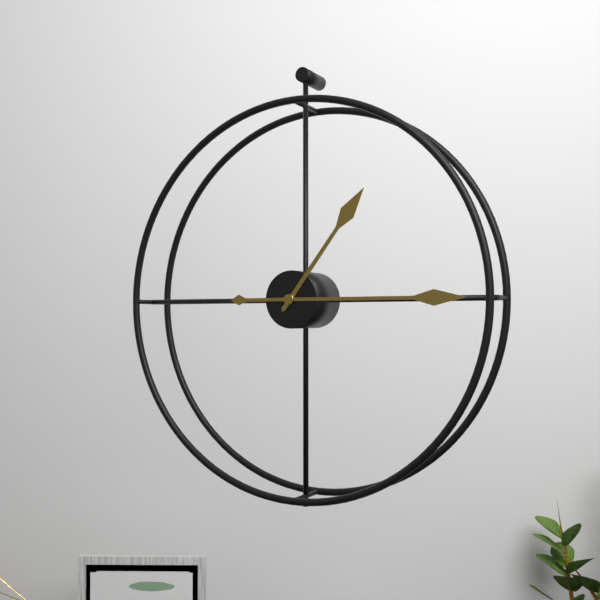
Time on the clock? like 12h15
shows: 1h15
